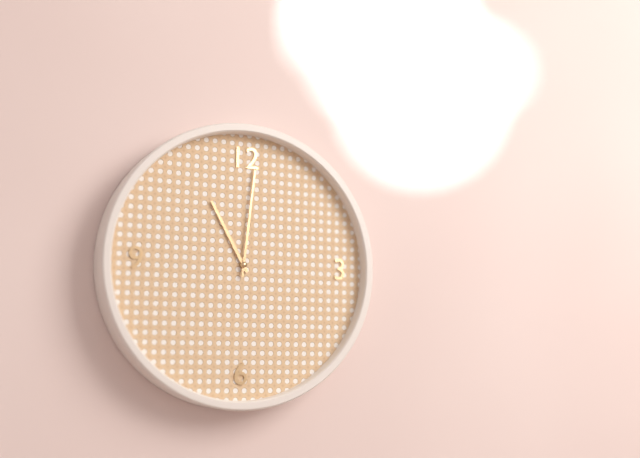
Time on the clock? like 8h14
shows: 11h01
